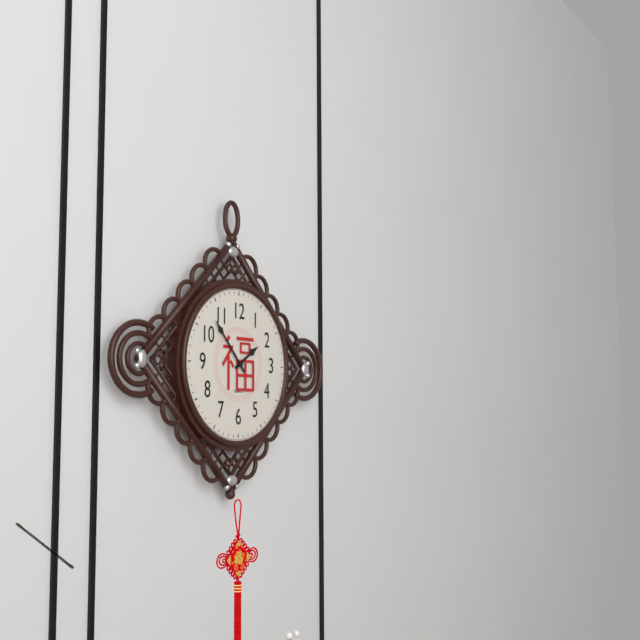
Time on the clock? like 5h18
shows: 1h53
